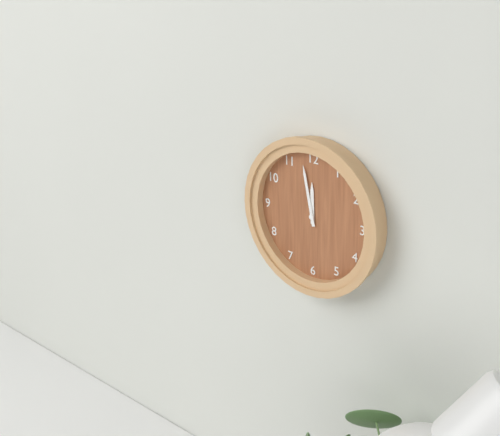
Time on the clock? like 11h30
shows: 11h58
